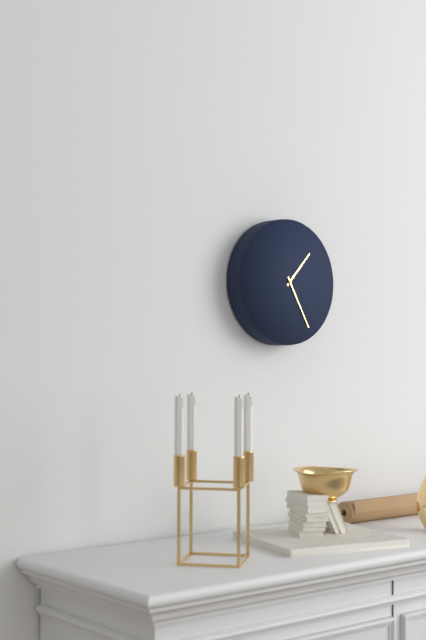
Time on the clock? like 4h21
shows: 1h25
